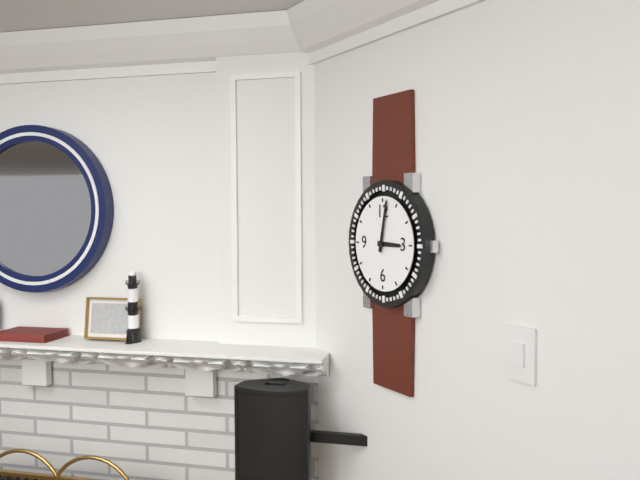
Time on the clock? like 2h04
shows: 3h02
